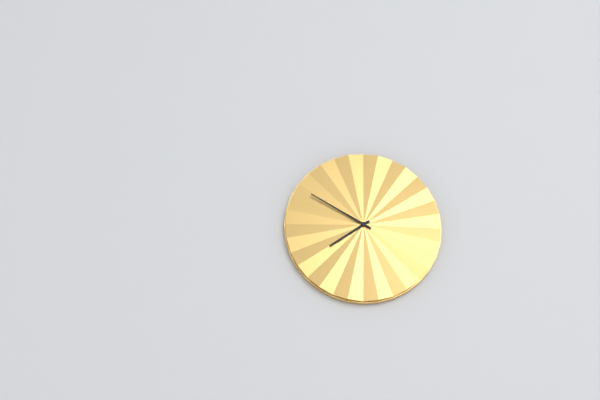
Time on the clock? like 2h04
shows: 7h50
